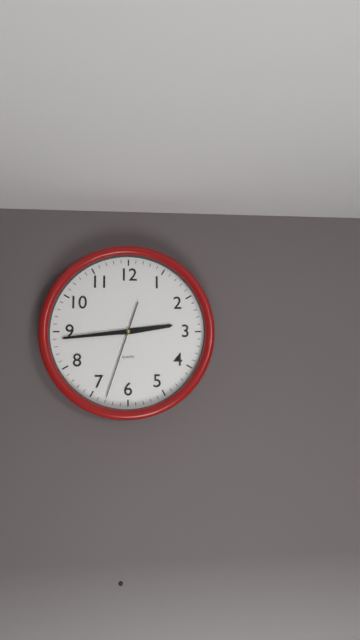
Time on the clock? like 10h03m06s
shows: 2h44m33s
